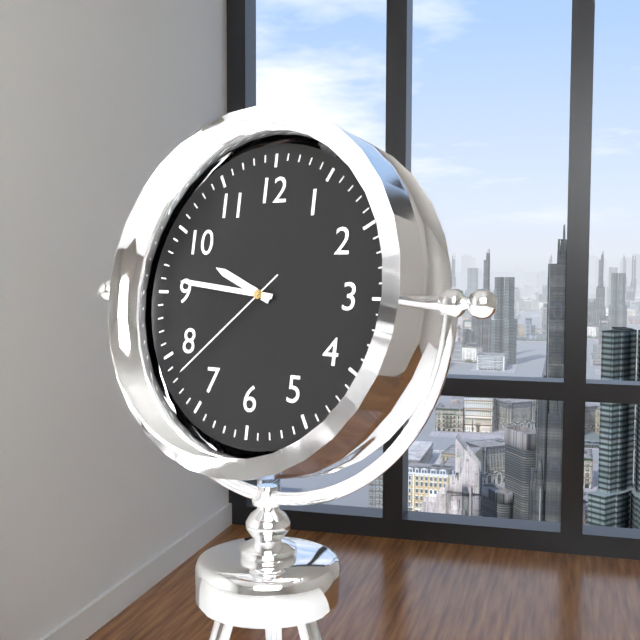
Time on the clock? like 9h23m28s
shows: 9h46m38s
